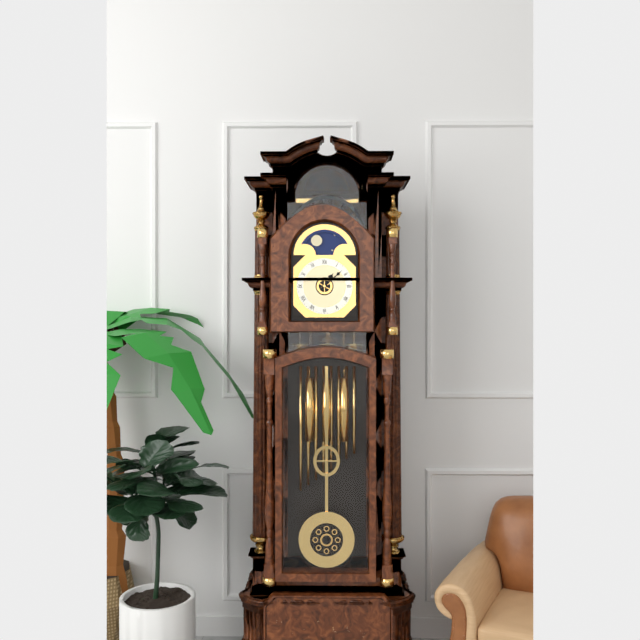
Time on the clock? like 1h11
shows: 1h08
